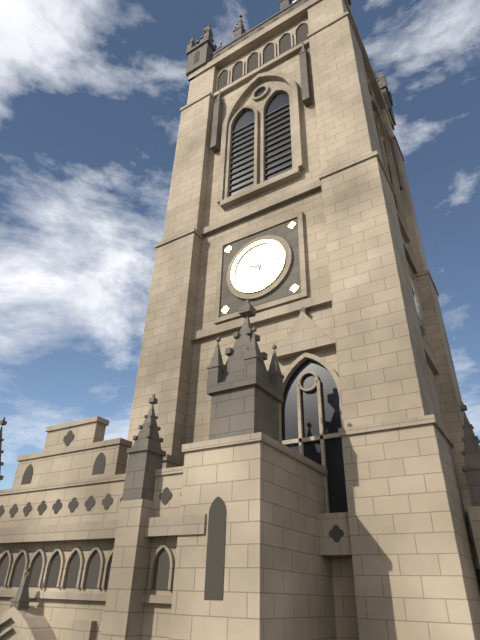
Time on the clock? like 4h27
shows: 9h56
